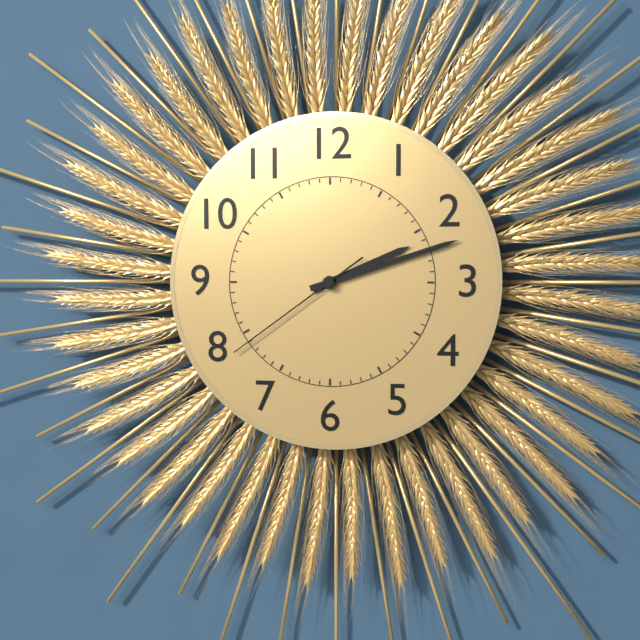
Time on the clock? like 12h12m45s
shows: 2h12m39s
